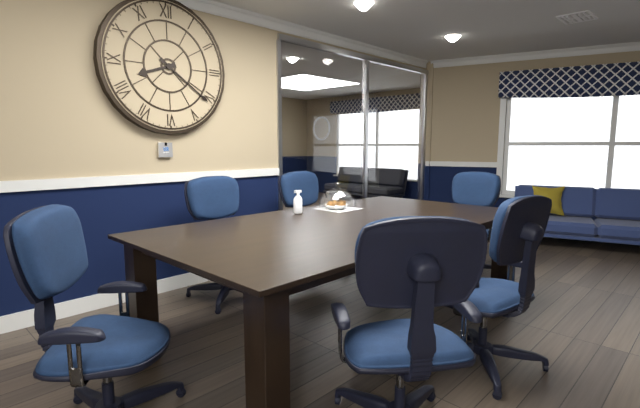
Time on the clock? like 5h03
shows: 8h21
